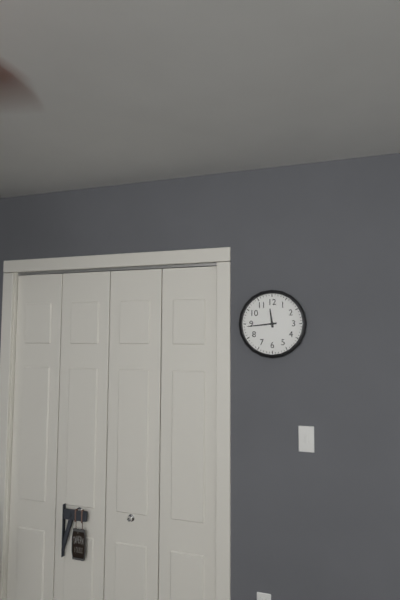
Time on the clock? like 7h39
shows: 11h44
